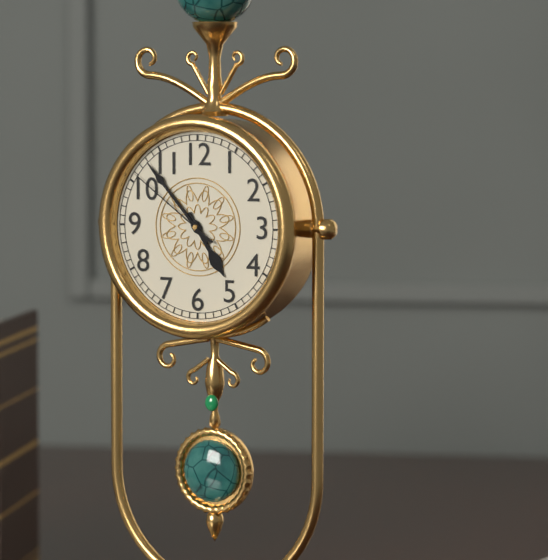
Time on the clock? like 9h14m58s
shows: 4h53m51s
